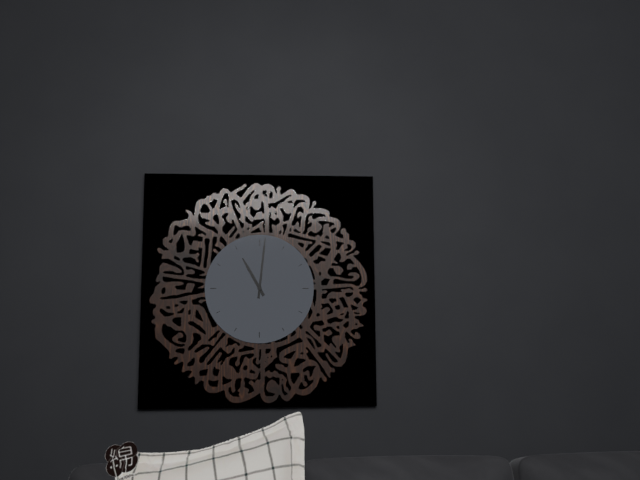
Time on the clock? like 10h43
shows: 11h01
